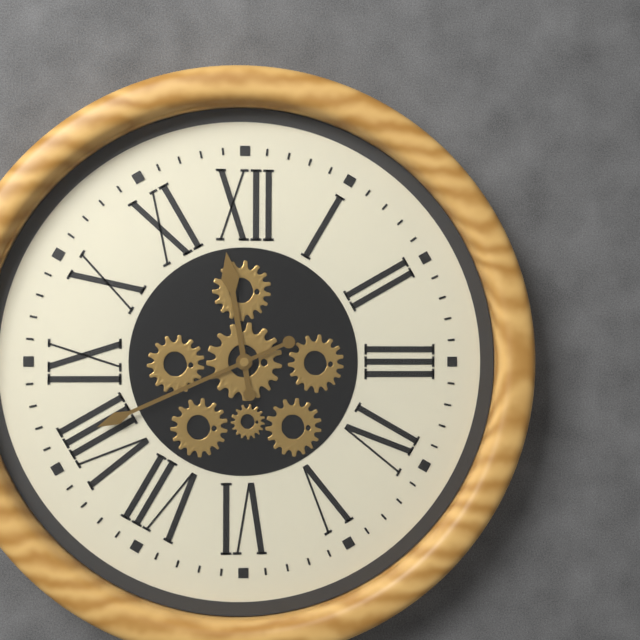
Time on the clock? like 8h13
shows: 11h41
